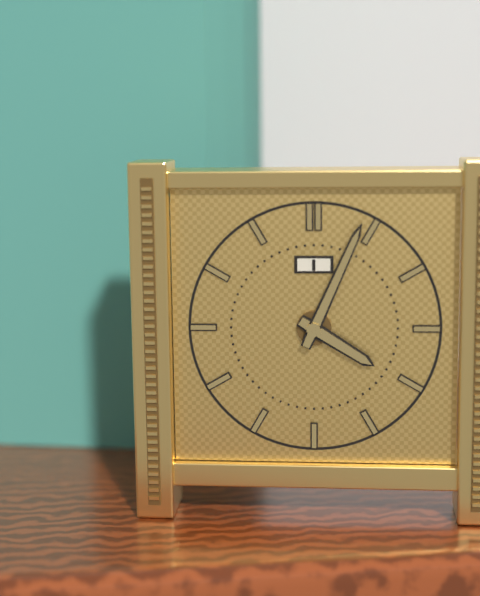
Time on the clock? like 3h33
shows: 4h04
